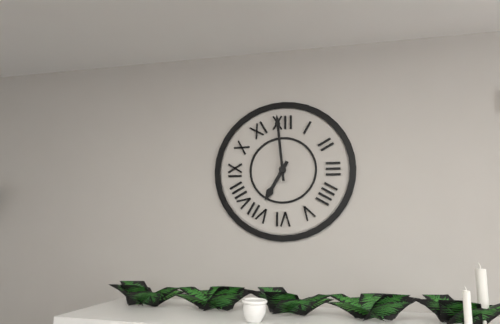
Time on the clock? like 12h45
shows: 6h59
